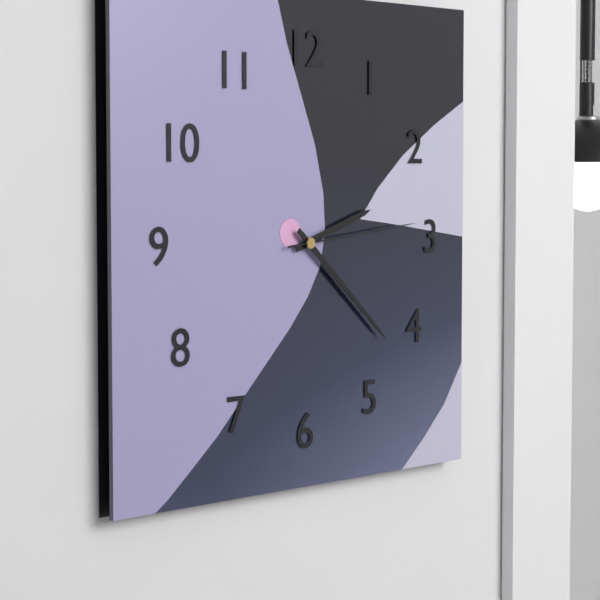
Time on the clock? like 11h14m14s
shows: 2h22m14s
